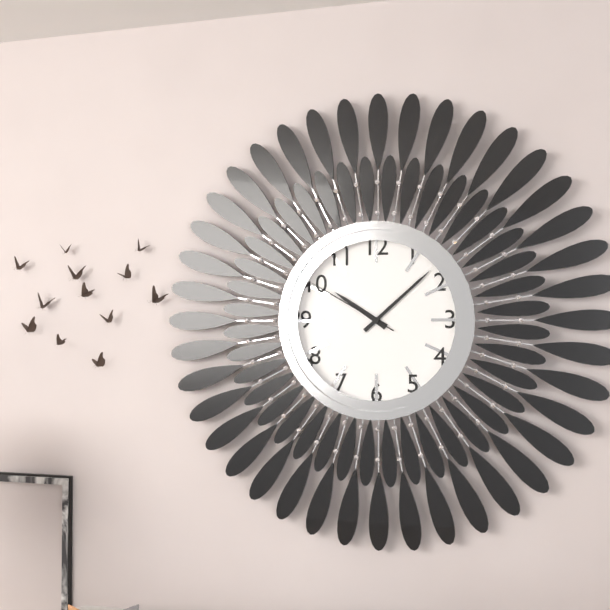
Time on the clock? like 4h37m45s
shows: 10h08m50s
